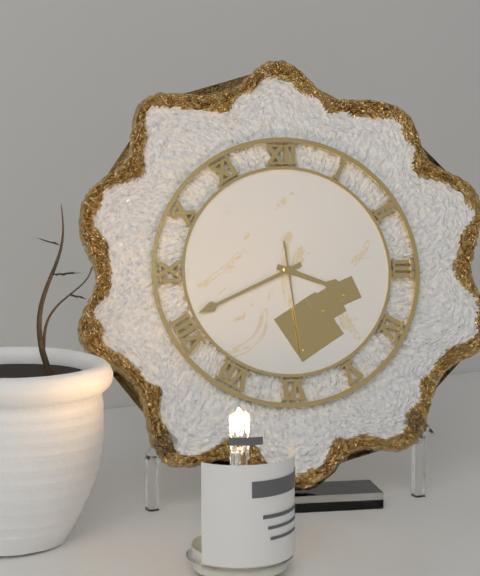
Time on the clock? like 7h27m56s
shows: 3h41m29s
